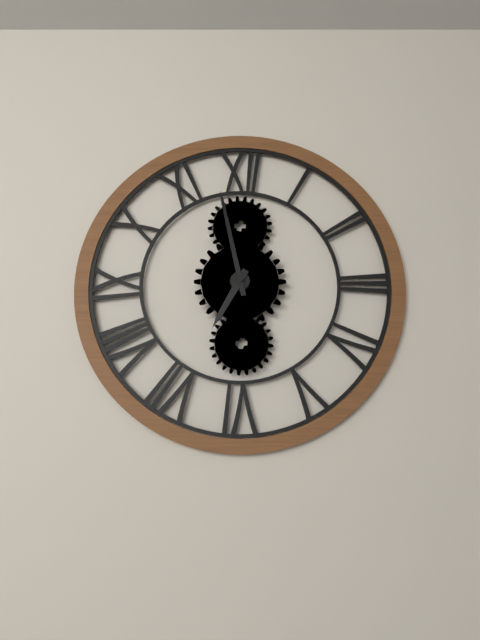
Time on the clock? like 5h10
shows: 6h58
